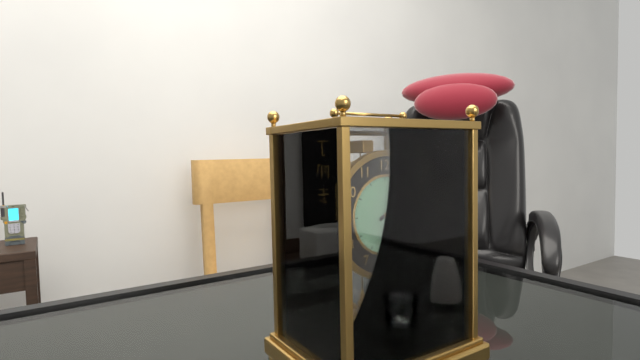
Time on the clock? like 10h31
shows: 2h10
